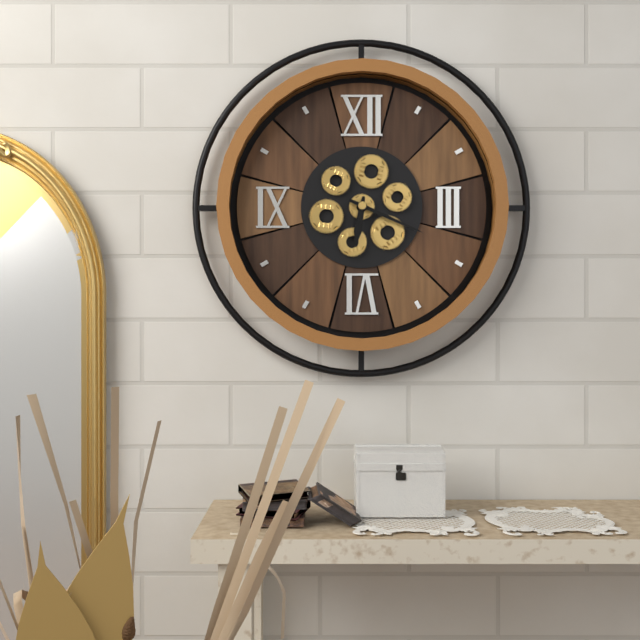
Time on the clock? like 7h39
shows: 6h19
